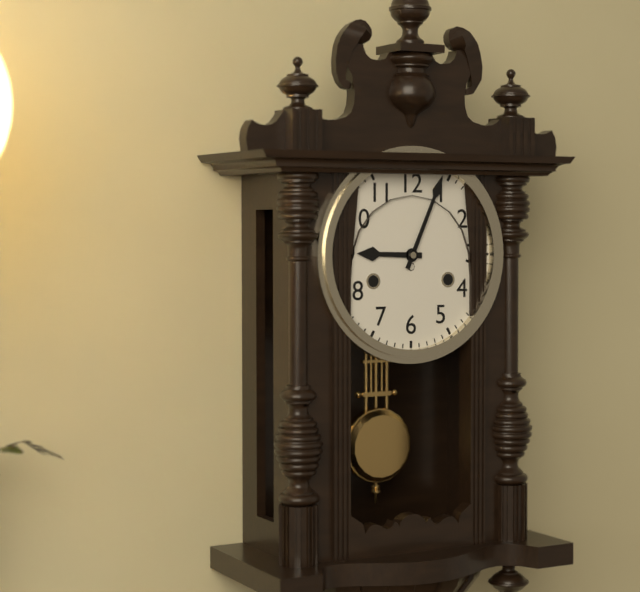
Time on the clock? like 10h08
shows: 9h04
